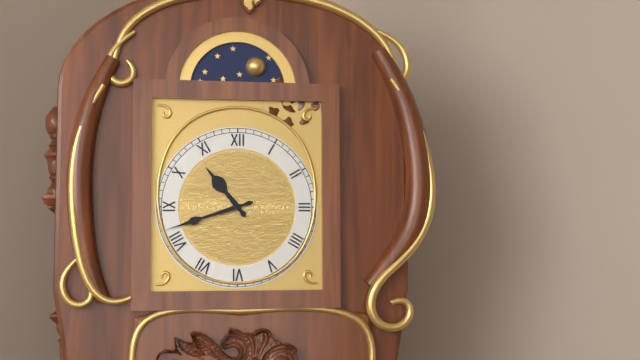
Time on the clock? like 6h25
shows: 10h42
